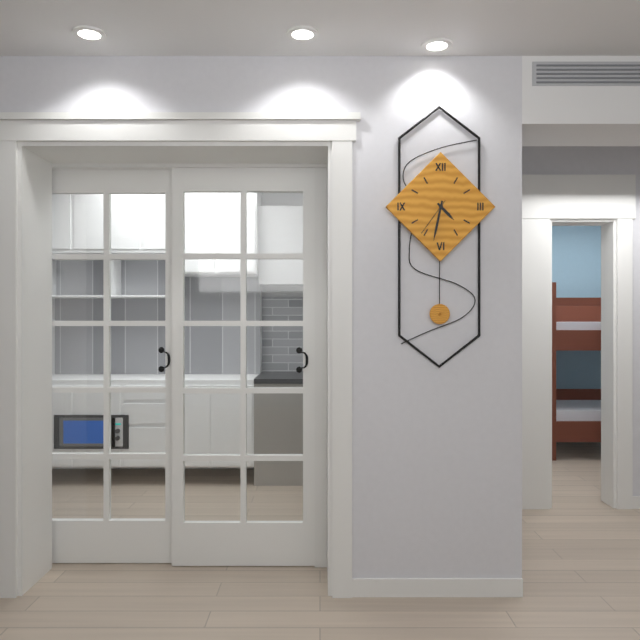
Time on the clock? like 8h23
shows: 4h32
